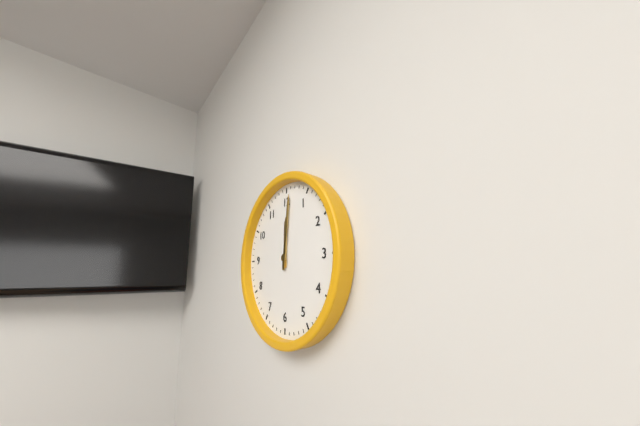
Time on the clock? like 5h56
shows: 12h01
